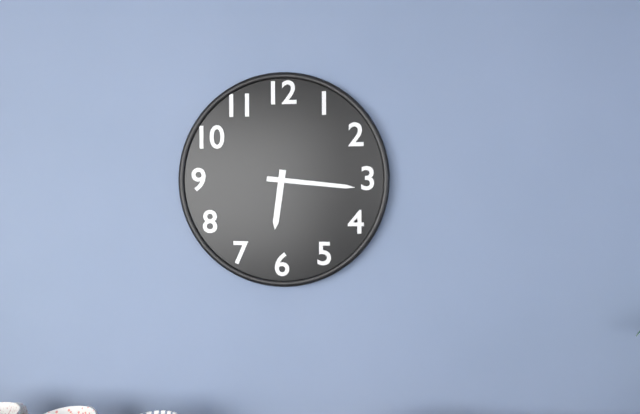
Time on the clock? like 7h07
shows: 6h16
